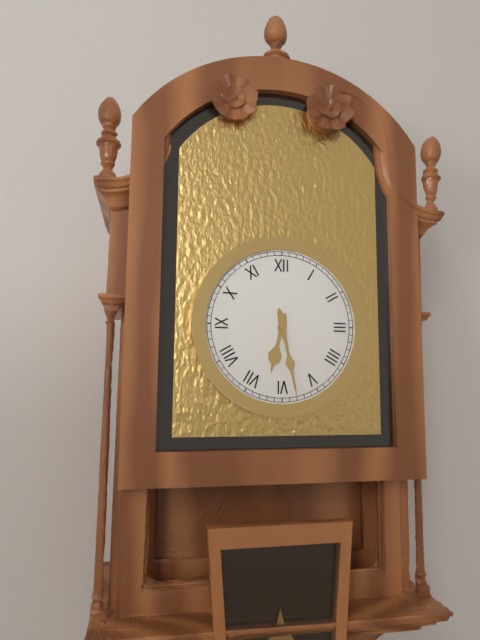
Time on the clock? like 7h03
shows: 6h28
